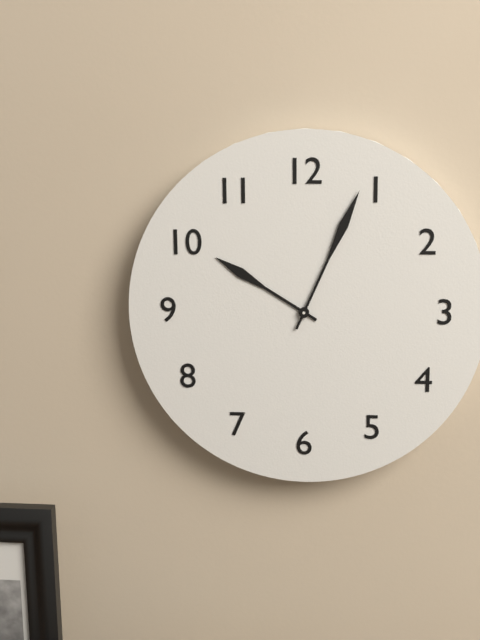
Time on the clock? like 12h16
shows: 10h04
